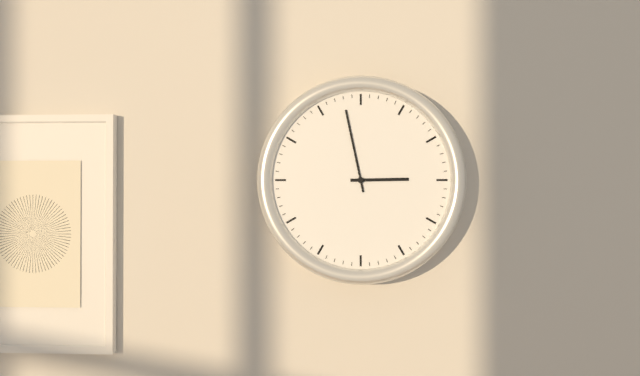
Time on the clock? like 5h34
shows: 2h58
